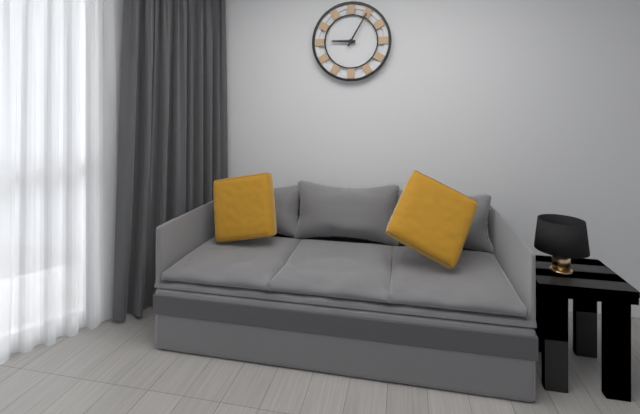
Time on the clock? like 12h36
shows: 9h05
